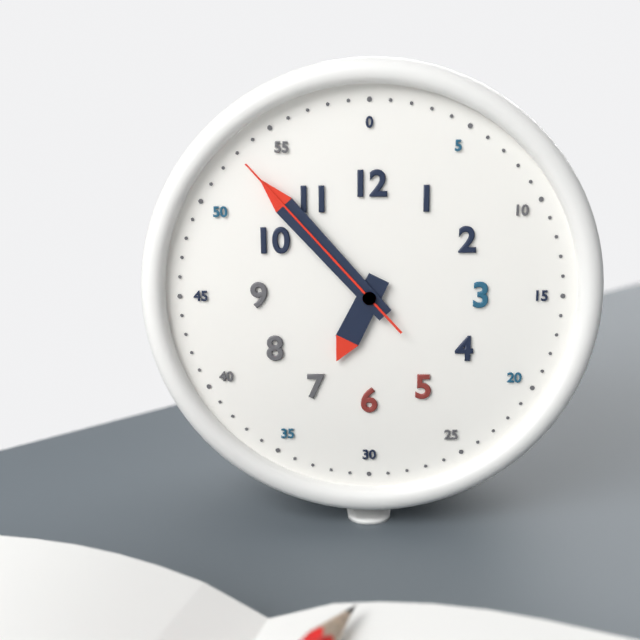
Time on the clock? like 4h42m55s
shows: 6h53m53s
